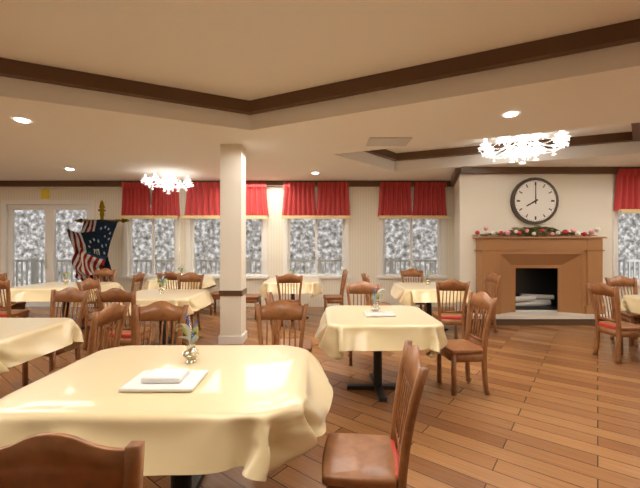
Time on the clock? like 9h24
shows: 8h00
